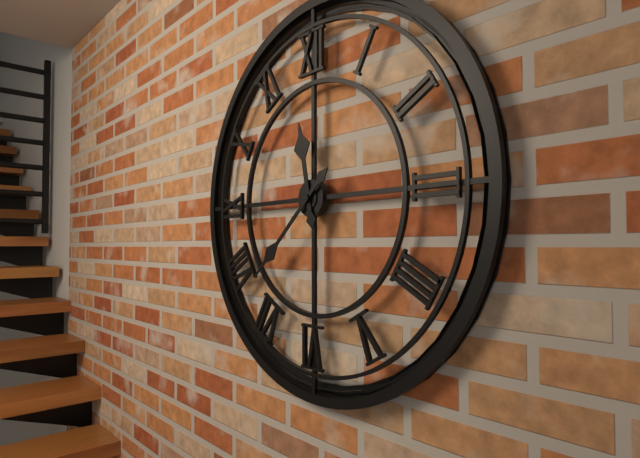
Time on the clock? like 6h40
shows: 11h38
